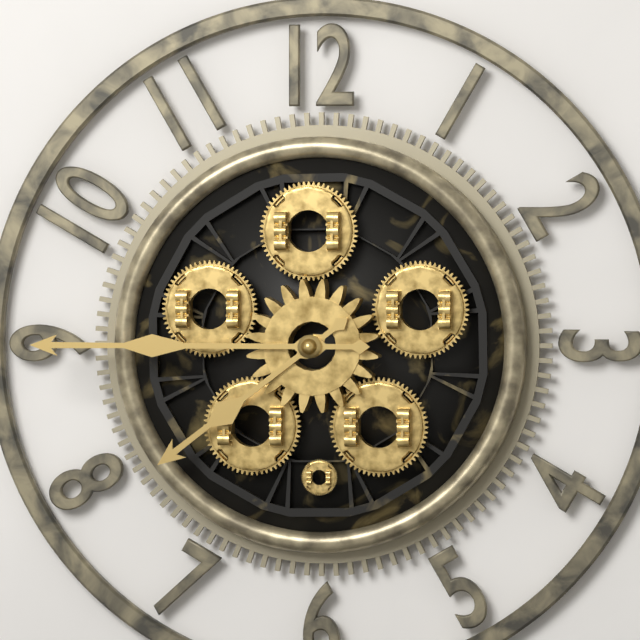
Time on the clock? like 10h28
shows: 7h45
